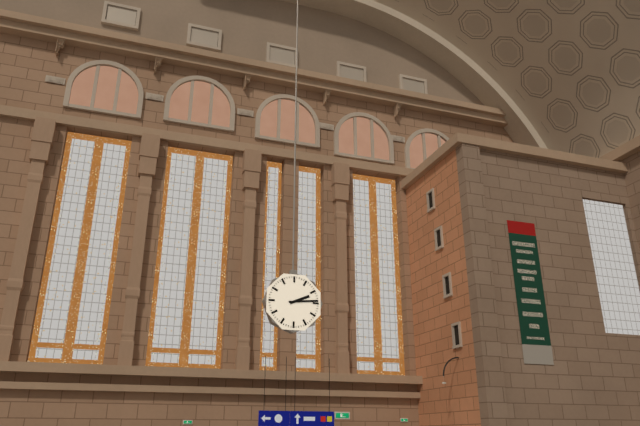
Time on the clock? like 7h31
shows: 2h14
